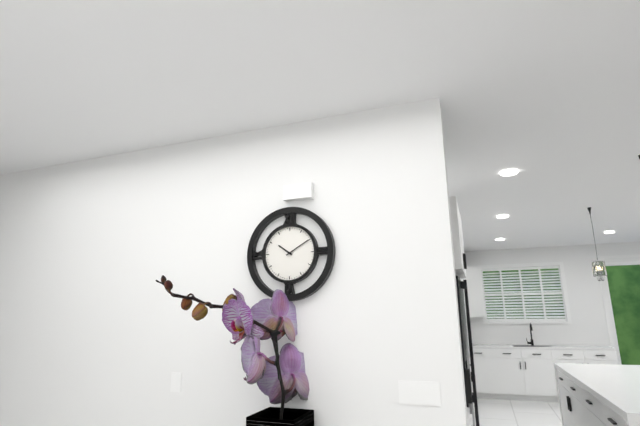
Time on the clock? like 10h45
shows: 10h10
